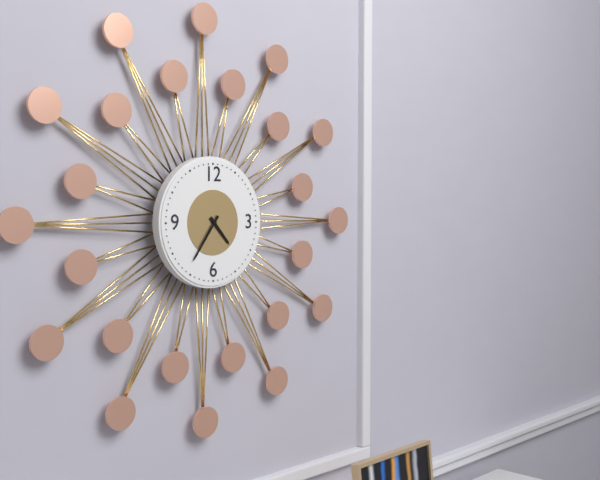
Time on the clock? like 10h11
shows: 4h36
